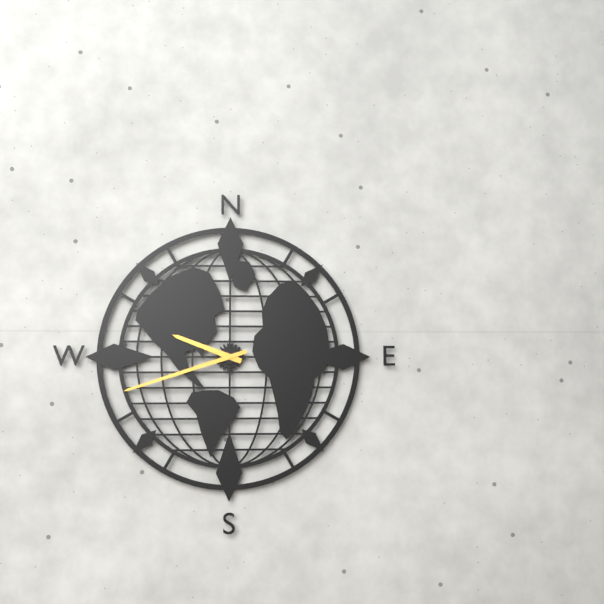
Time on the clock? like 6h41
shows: 9h42
